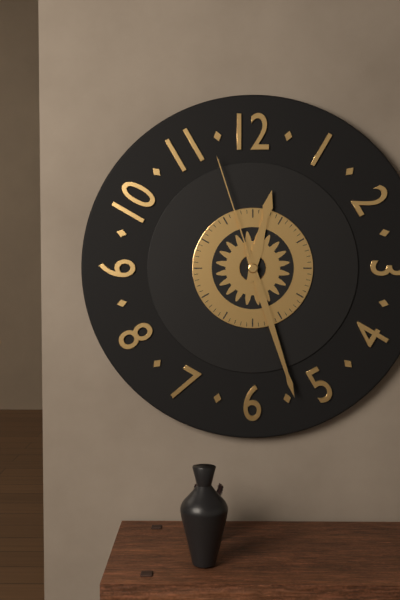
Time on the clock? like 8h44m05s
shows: 12h27m57s
